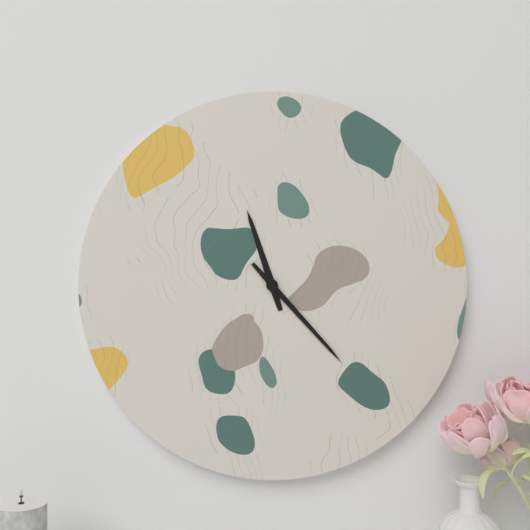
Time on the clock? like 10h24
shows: 11h23
